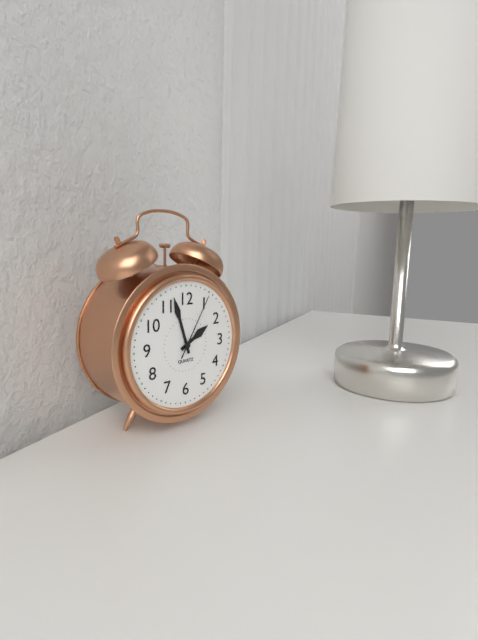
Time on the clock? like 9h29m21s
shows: 1h57m05s
